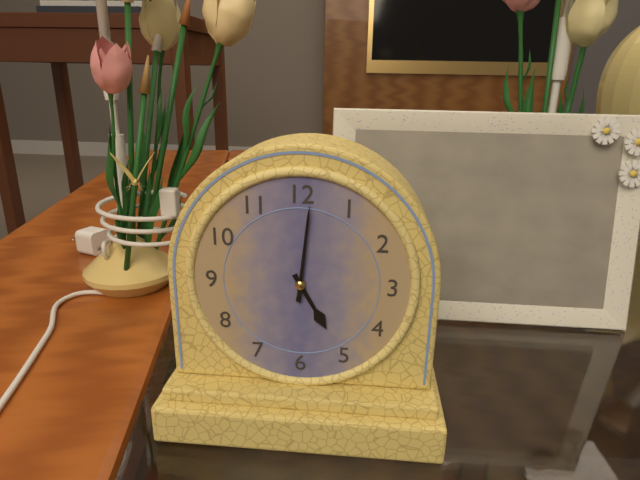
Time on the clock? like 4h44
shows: 5h01
